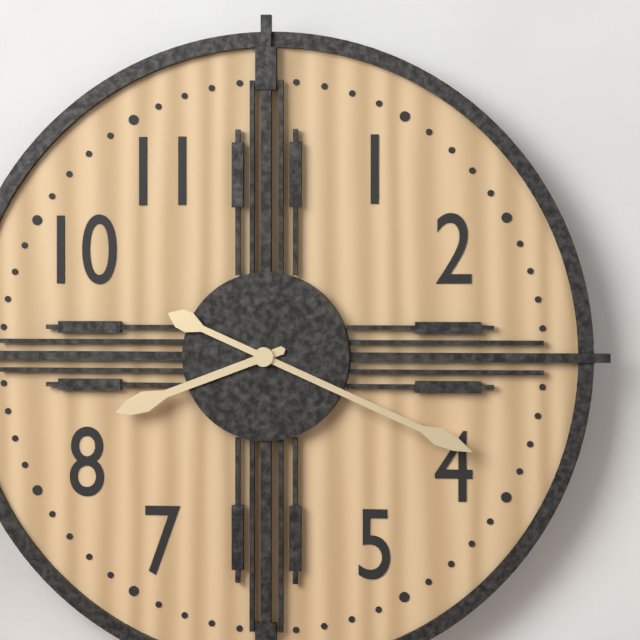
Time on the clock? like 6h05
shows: 8h19
